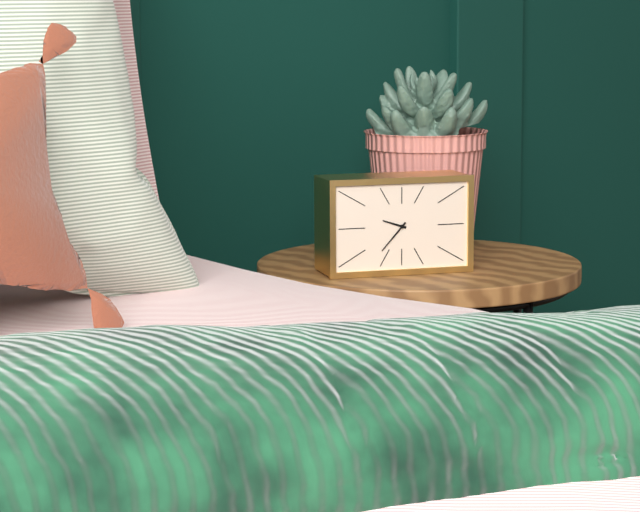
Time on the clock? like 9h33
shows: 9h37
